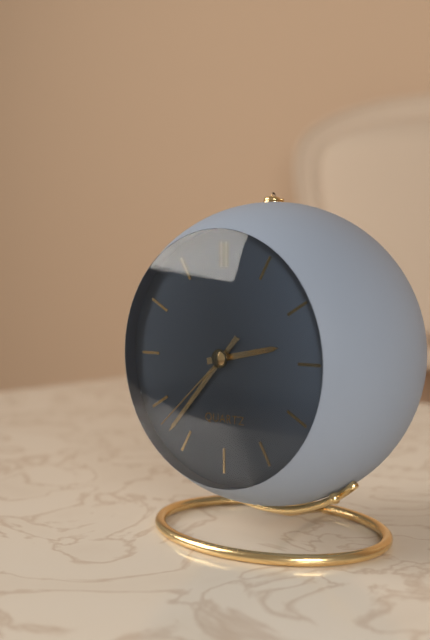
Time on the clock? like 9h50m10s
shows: 2h37m38s
